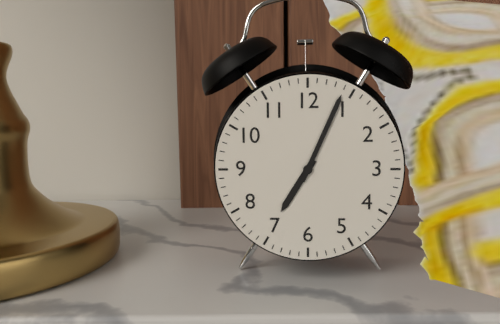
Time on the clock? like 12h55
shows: 7h04
